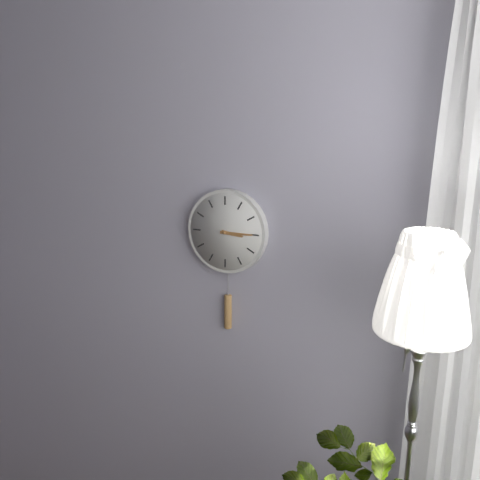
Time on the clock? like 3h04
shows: 3h15
